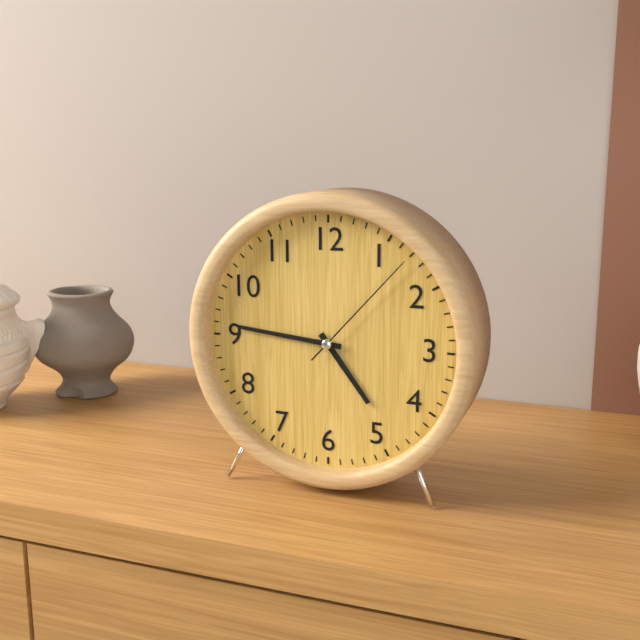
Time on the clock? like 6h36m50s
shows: 4h46m07s
